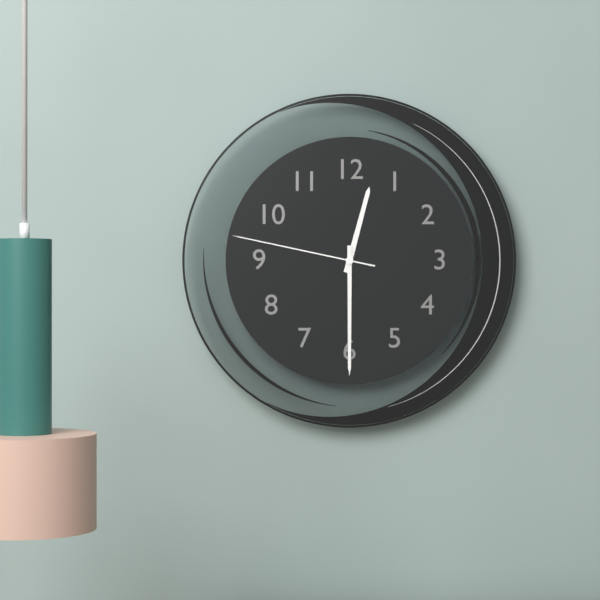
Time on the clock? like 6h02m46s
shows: 12h30m47s
